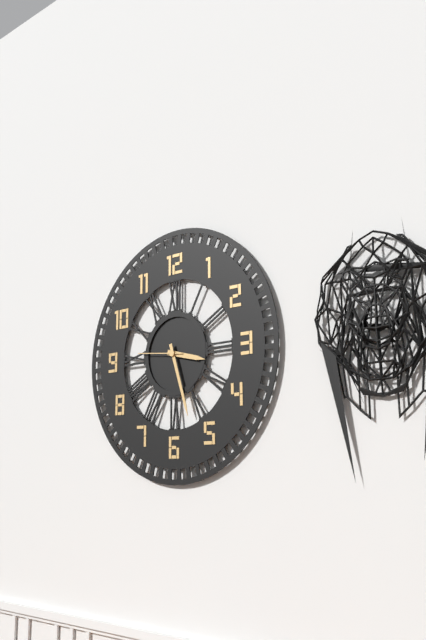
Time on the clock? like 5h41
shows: 3h27
